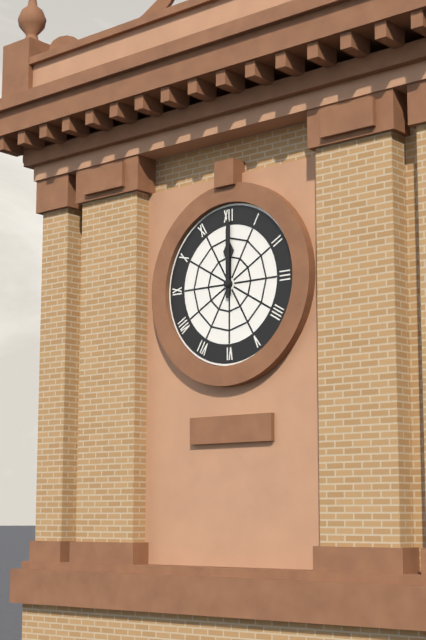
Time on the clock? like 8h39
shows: 12h00
